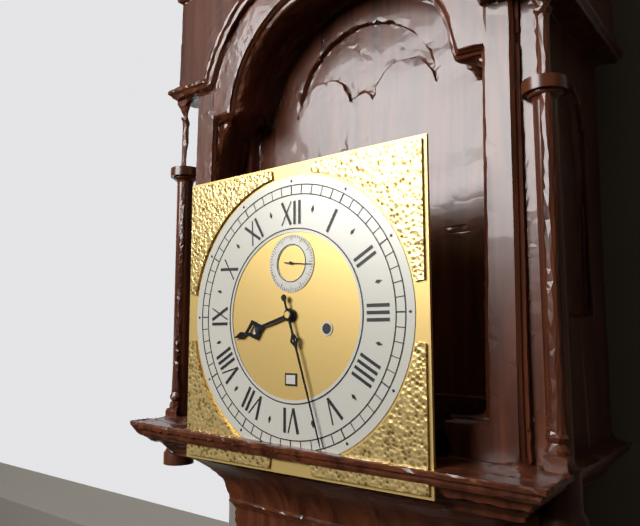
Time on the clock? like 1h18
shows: 8h27
